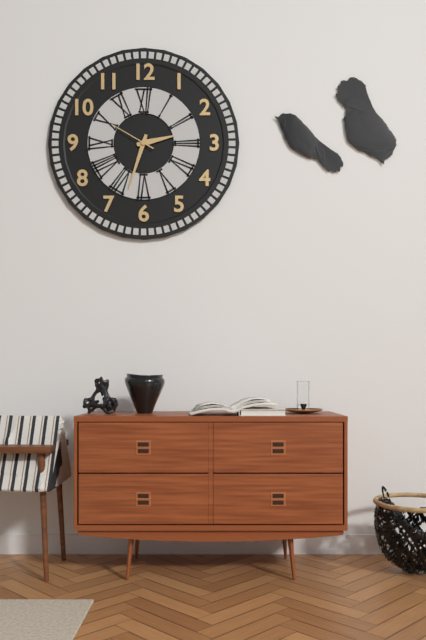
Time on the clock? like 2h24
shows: 2h33
